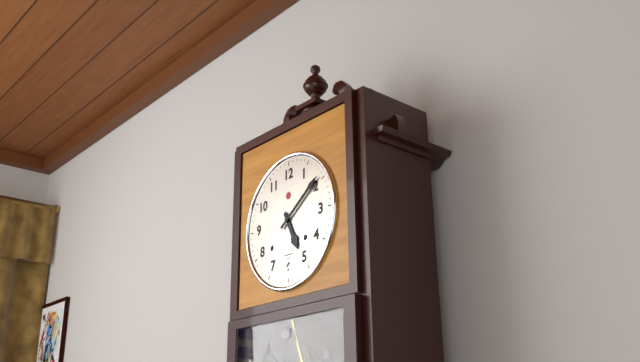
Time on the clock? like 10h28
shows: 5h09
